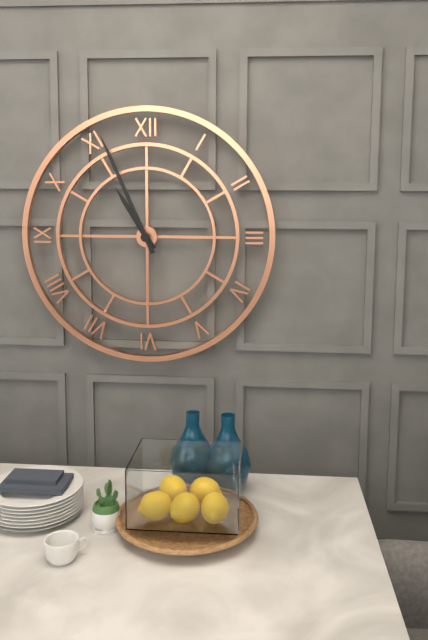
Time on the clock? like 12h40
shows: 10h56
